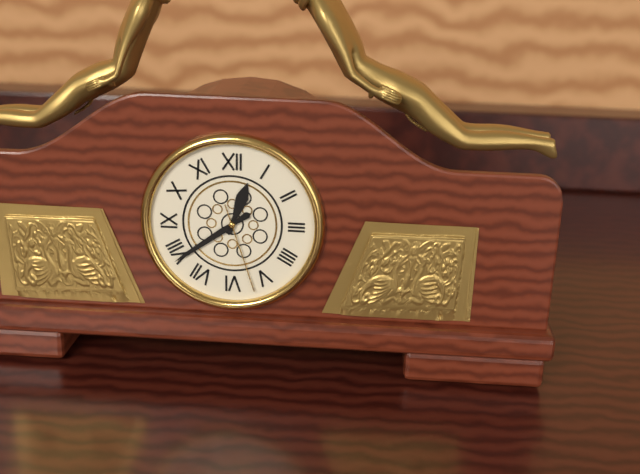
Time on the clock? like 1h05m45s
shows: 12h39m27s
